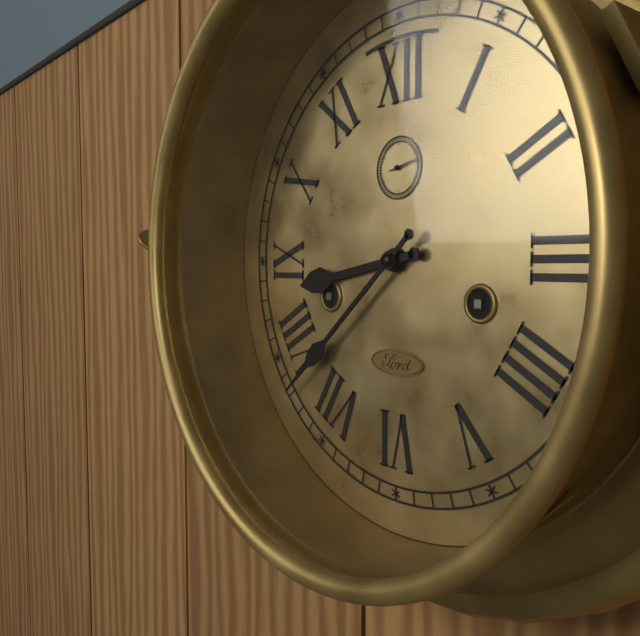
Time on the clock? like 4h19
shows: 8h38
